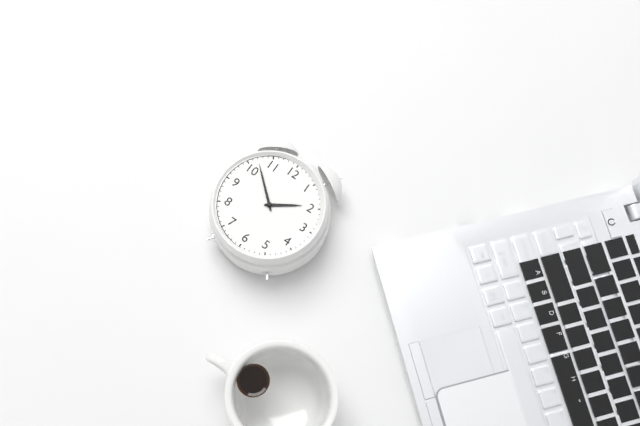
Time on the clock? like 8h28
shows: 1h52
